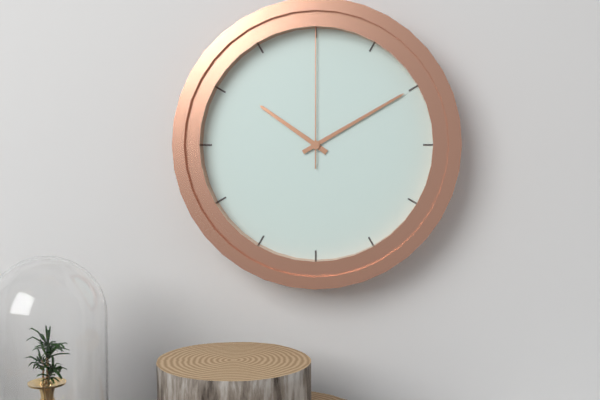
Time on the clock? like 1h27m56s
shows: 10h10m00s
